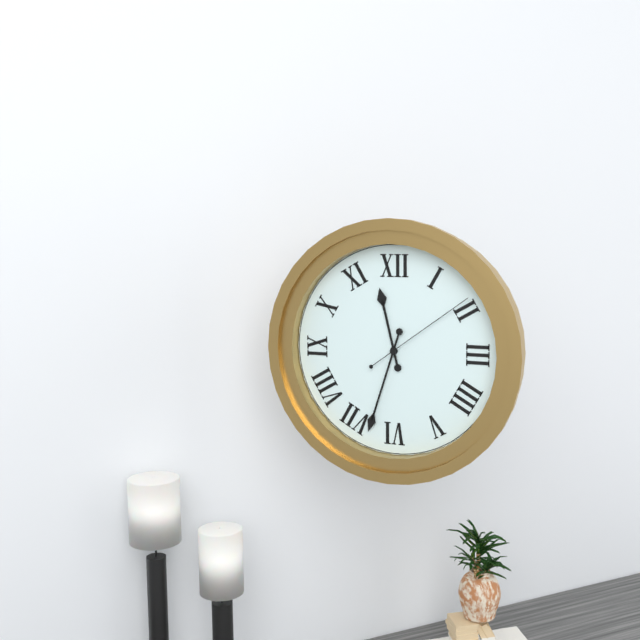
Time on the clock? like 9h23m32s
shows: 11h33m09s
